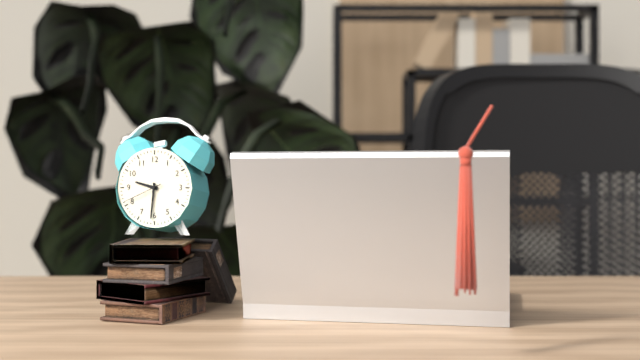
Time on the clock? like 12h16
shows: 9h31
